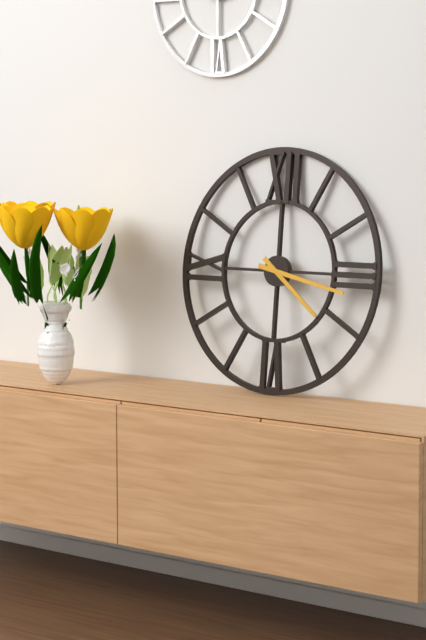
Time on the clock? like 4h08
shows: 4h17
